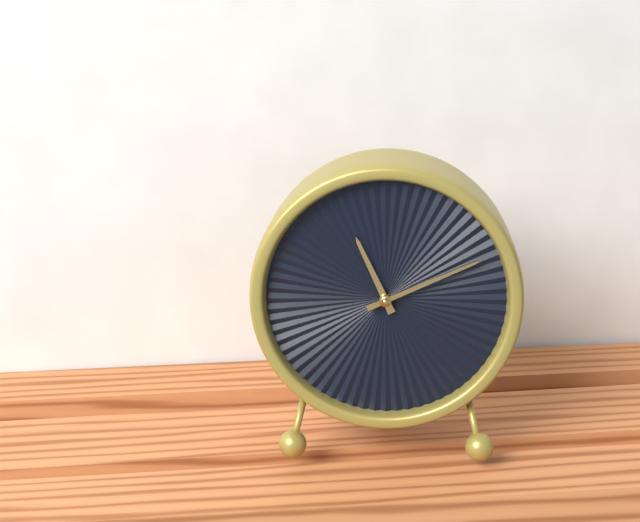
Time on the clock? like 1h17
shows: 11h11
